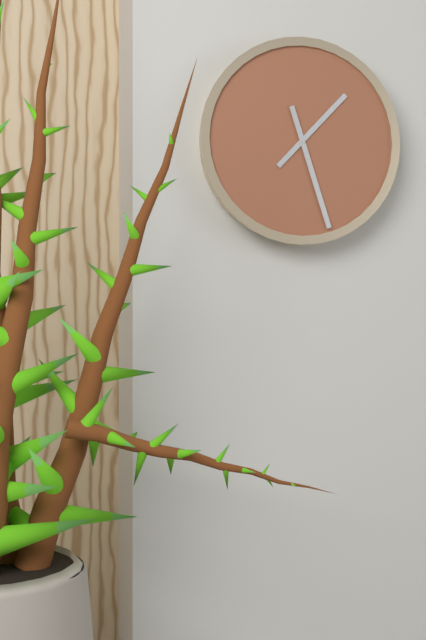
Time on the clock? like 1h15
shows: 1h27
